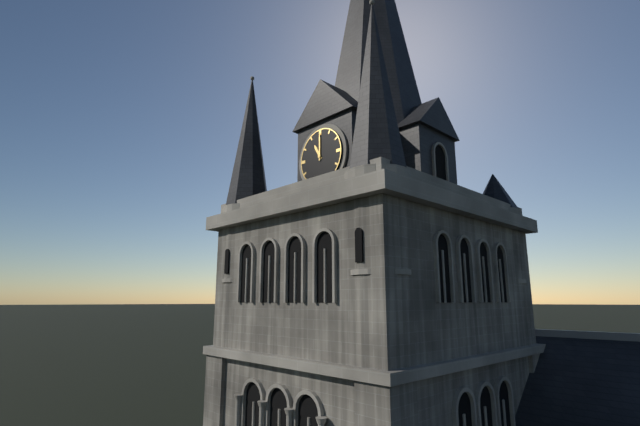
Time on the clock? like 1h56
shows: 11h00
